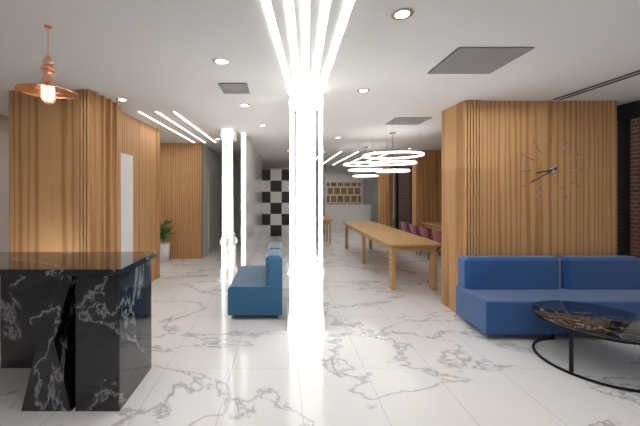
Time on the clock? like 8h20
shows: 8h40
